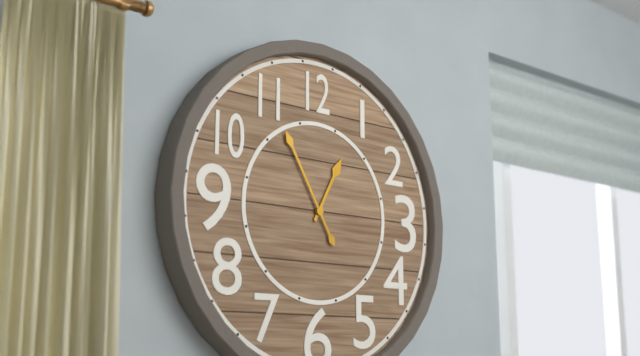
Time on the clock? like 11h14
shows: 12h55
